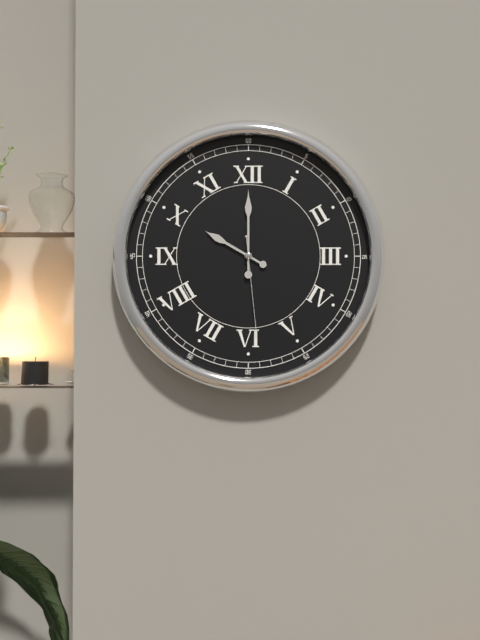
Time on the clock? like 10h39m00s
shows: 10h00m29s
